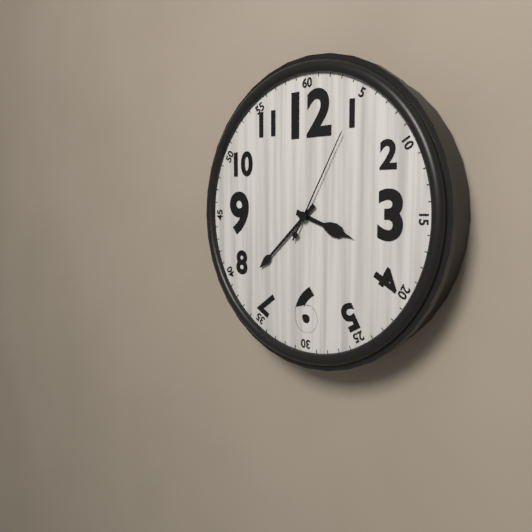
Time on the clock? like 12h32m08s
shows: 3h38m05s
